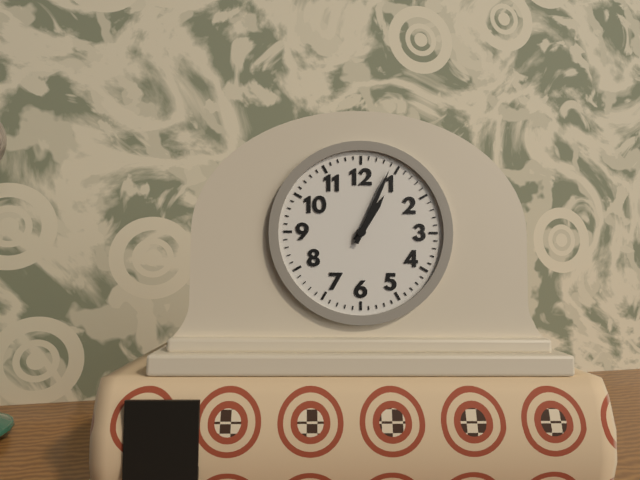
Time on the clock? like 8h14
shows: 1h04
